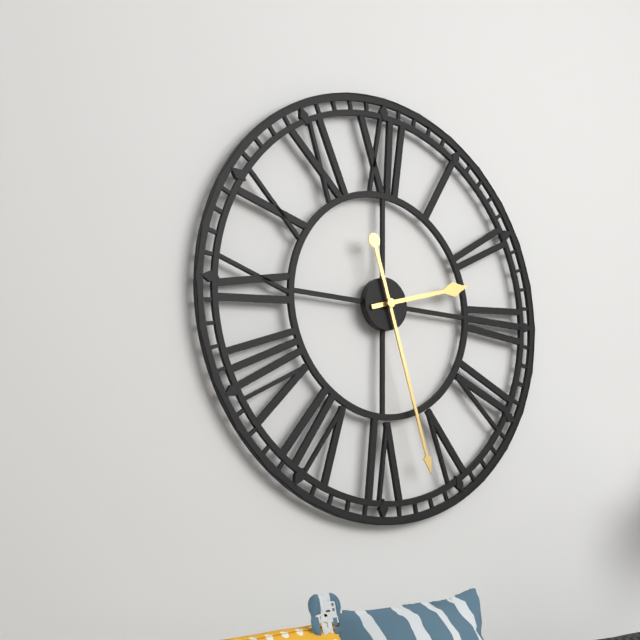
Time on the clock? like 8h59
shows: 2h27
